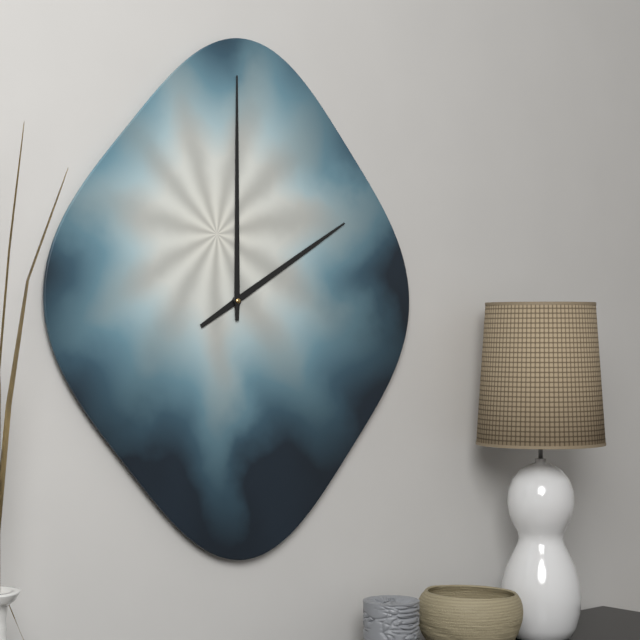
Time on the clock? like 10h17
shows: 2h00
